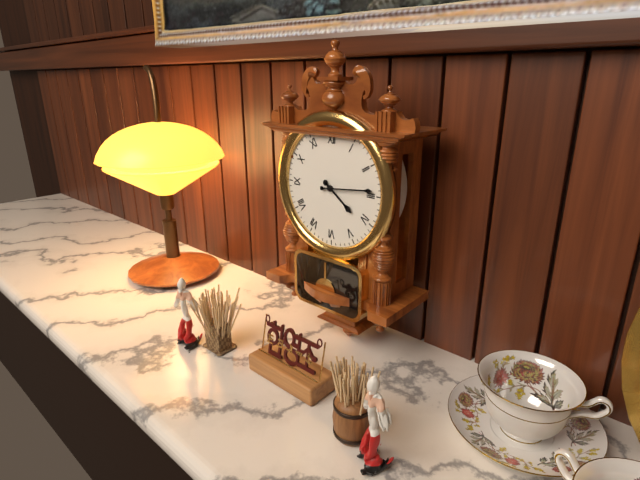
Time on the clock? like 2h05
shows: 4h14
